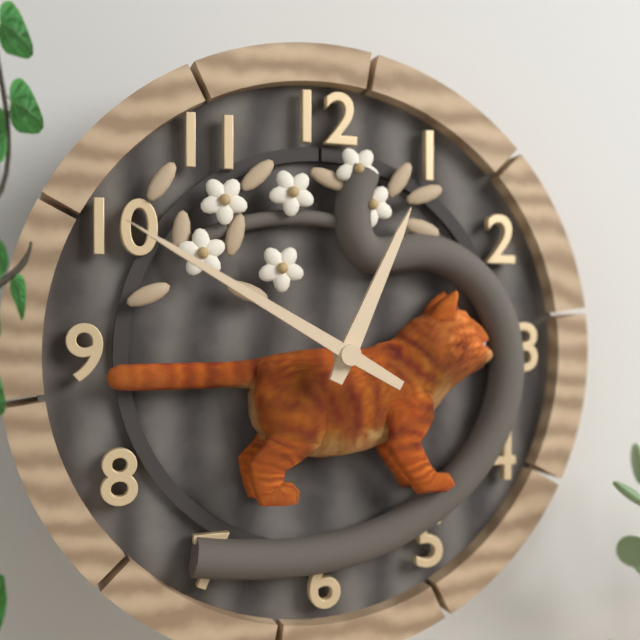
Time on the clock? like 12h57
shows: 12h50
